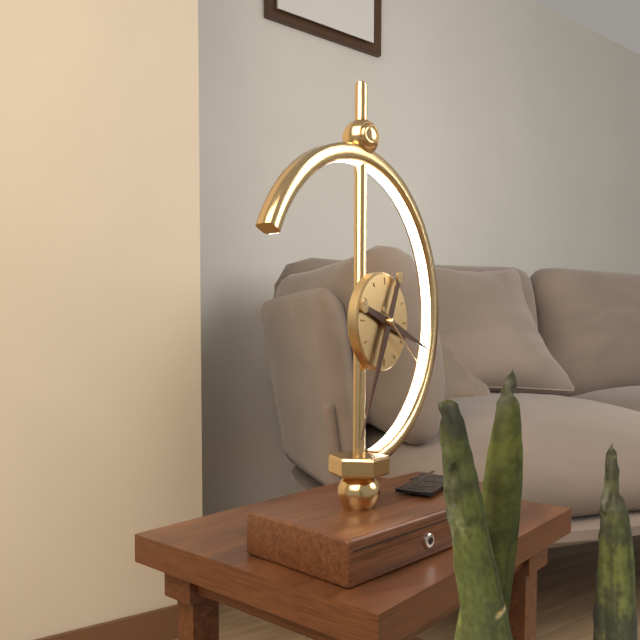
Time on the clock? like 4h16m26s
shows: 3h34m21s
